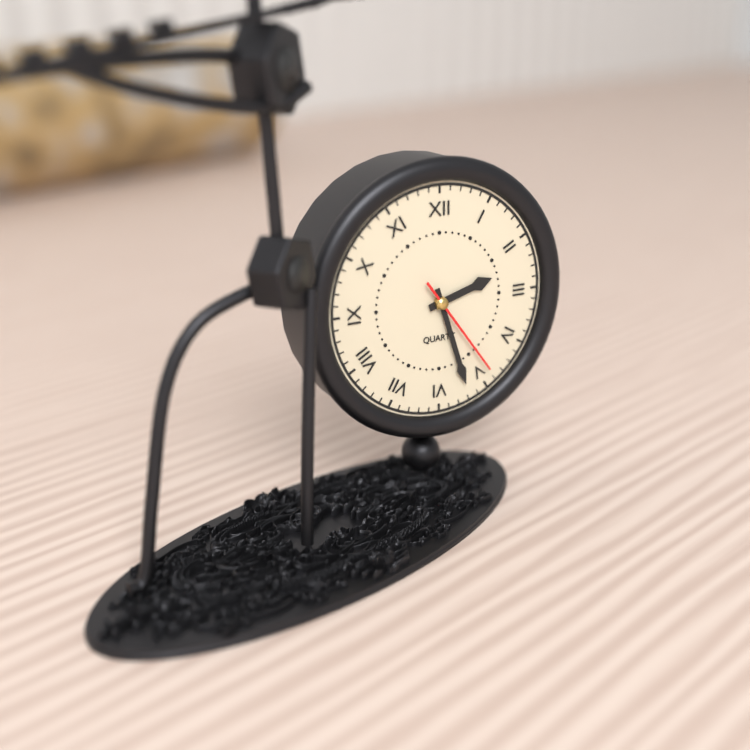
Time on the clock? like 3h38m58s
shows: 2h27m24s
